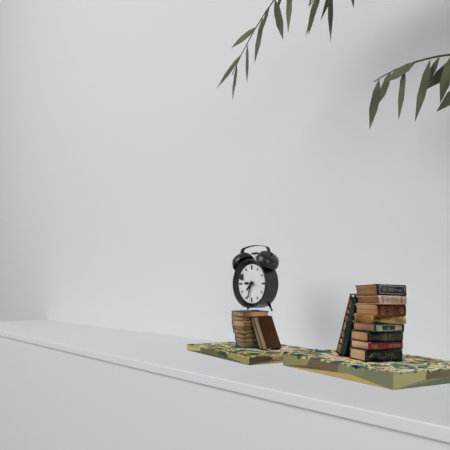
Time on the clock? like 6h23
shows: 7h33
